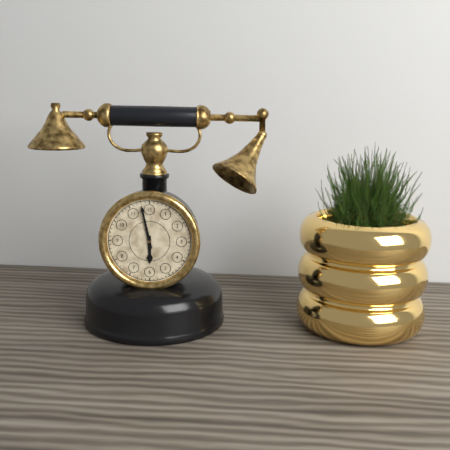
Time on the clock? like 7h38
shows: 5h58
